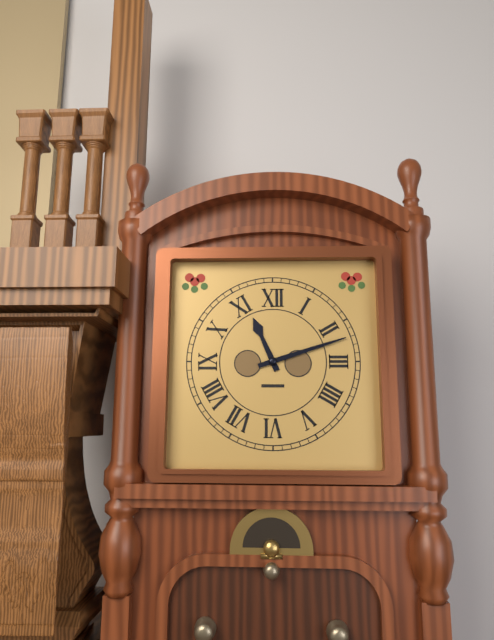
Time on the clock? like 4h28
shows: 11h12
